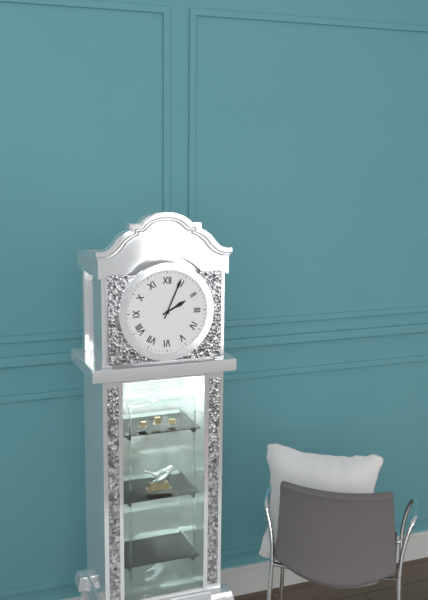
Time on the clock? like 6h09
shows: 2h04
